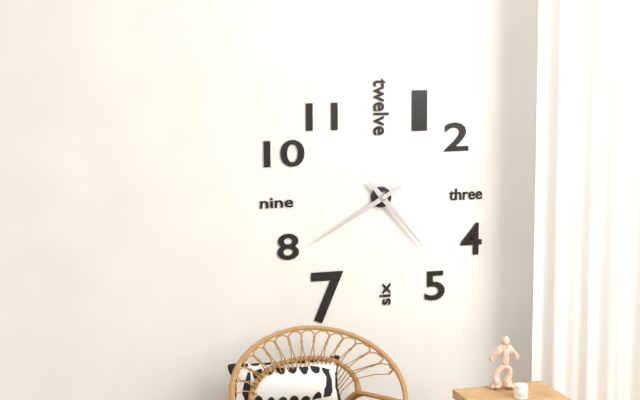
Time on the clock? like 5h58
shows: 4h40
